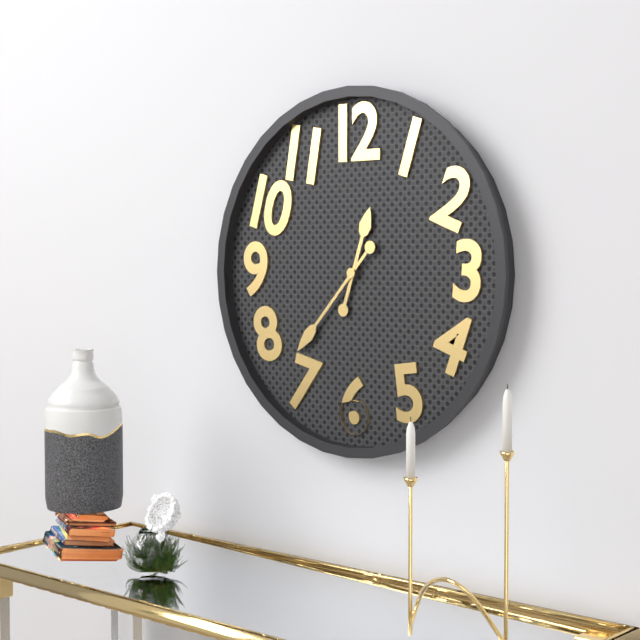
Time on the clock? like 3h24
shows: 12h37
